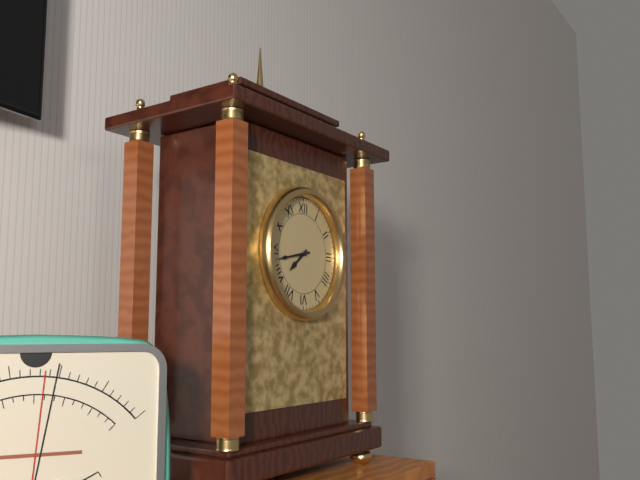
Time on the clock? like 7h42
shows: 7h43
